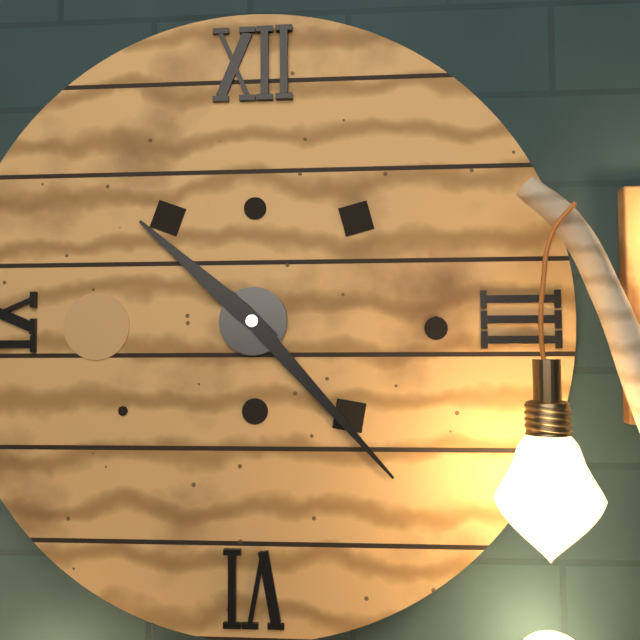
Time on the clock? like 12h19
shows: 10h23
